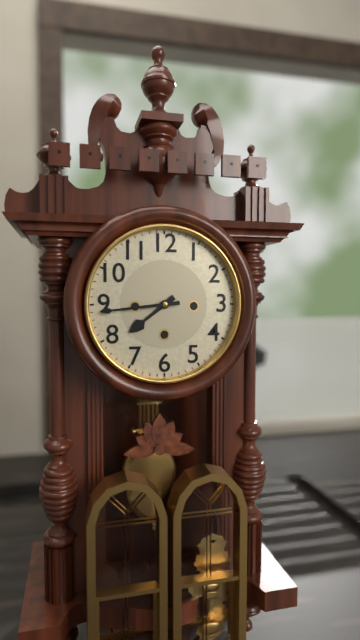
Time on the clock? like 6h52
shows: 7h44
